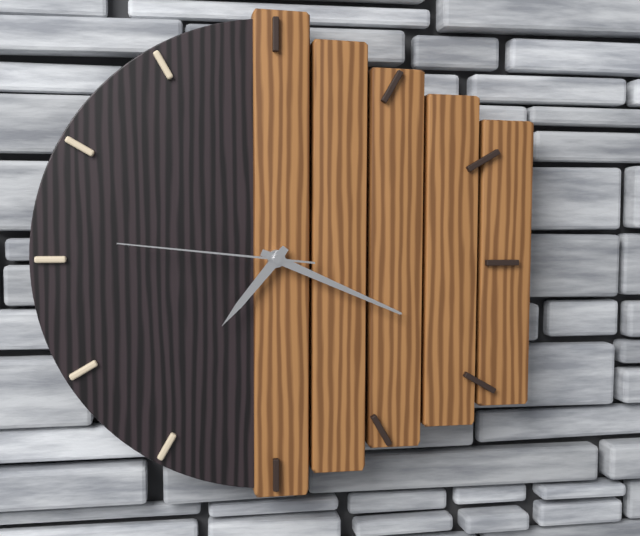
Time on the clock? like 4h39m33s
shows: 7h19m46s
